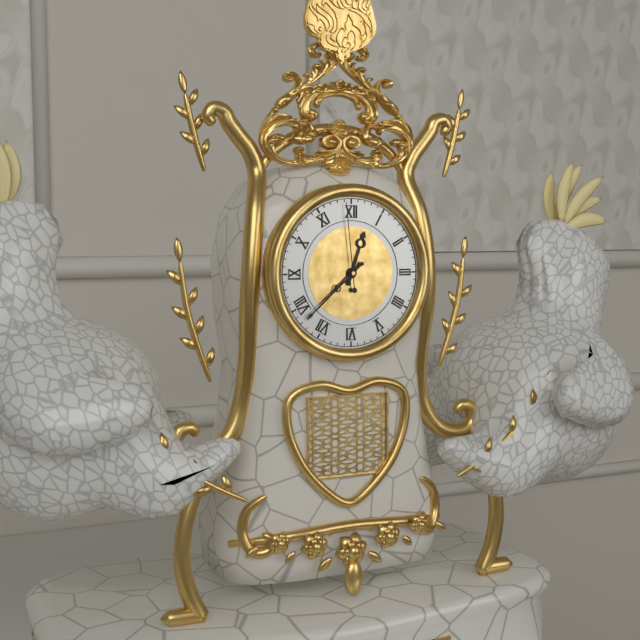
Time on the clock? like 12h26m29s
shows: 12h38m59s
